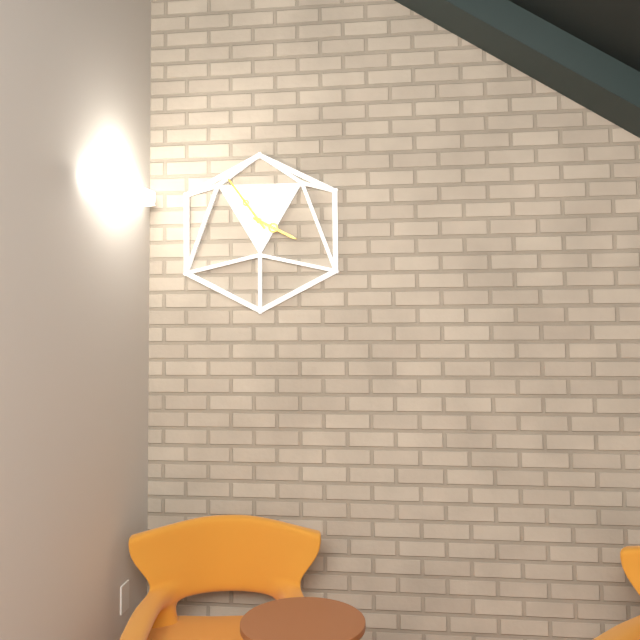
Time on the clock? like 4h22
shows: 3h54
